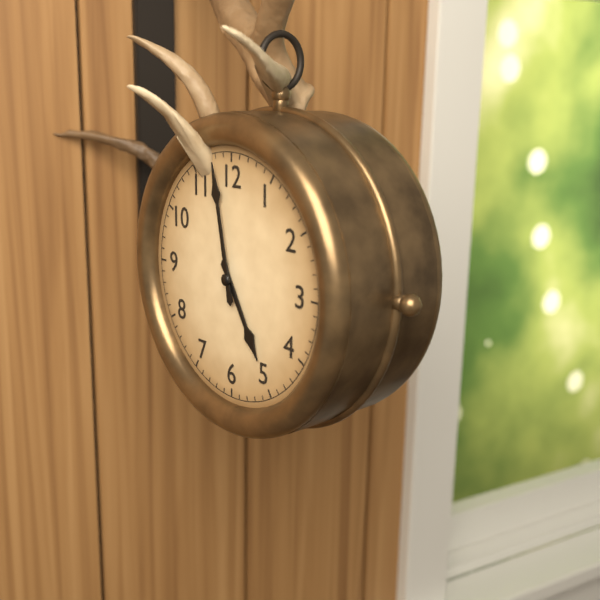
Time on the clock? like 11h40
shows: 4h58
